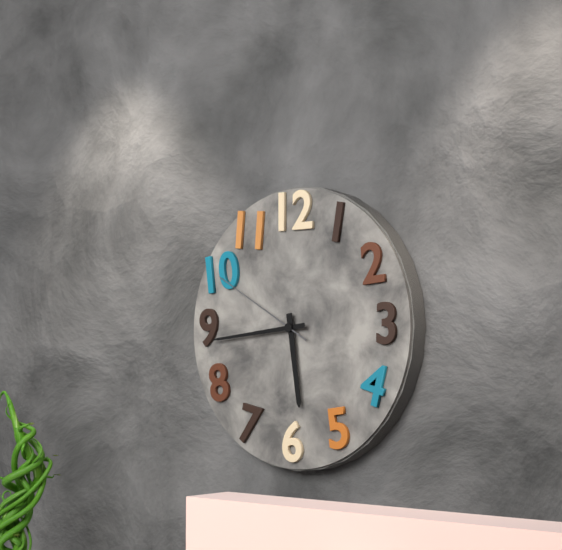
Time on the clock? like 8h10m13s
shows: 5h44m50s
